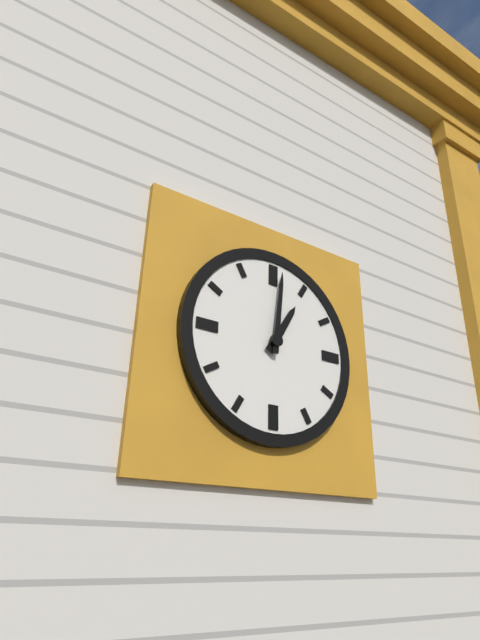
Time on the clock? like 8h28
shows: 1h01
